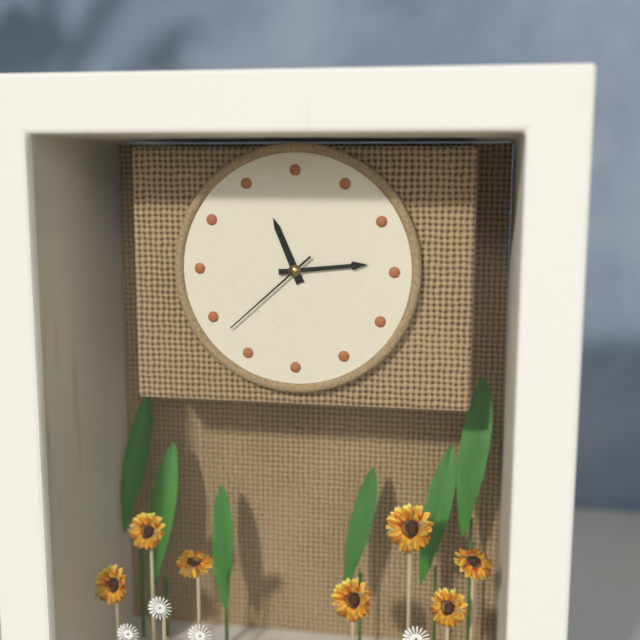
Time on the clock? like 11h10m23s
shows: 11h14m38s
